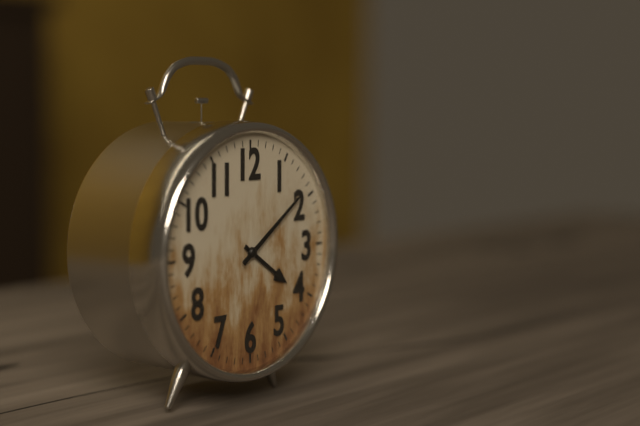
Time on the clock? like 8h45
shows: 4h09
